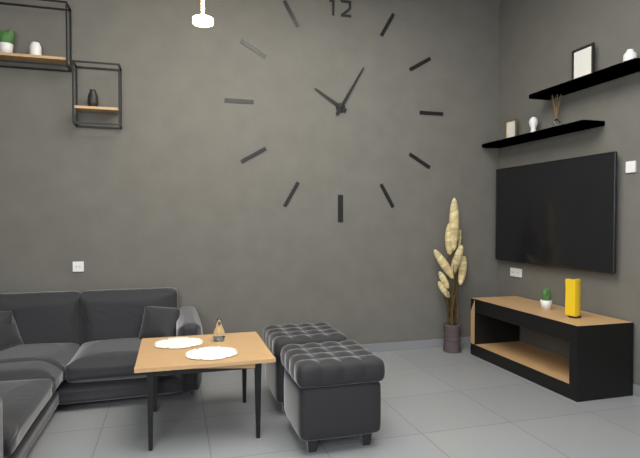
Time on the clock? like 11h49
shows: 10h05
